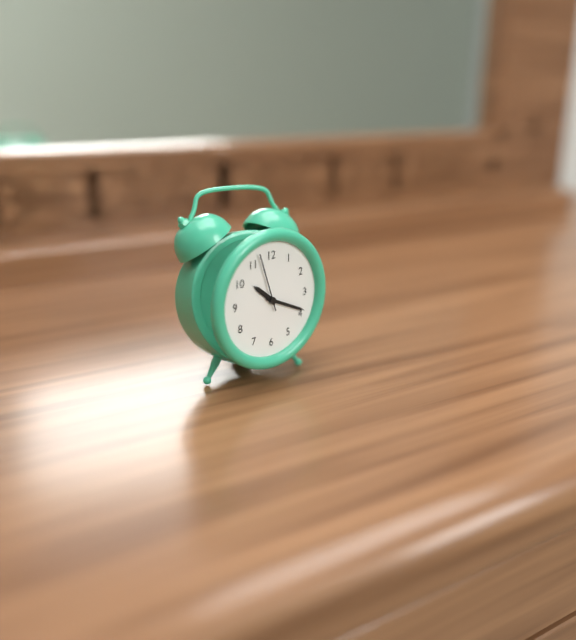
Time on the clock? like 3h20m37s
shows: 10h19m57s
